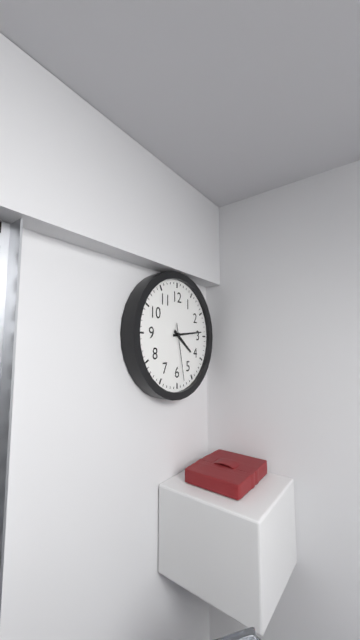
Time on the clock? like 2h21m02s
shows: 4h14m28s
